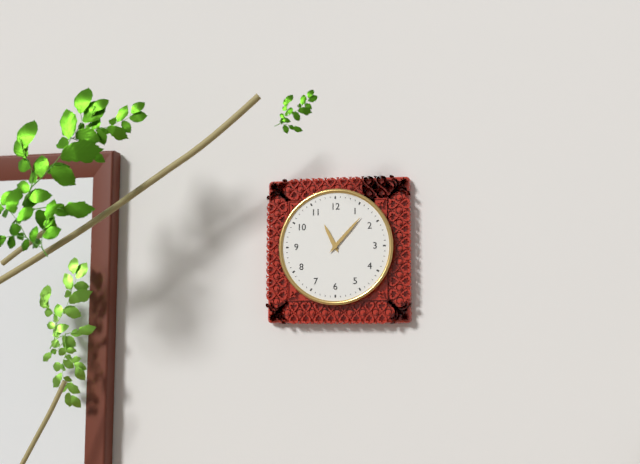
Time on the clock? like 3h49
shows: 11h07
